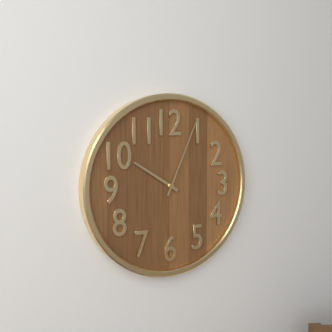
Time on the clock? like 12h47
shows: 10h04
